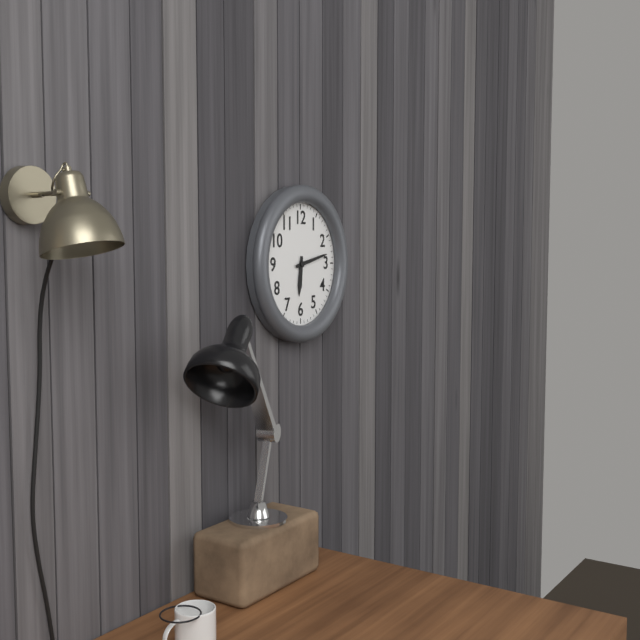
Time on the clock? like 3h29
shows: 6h13
